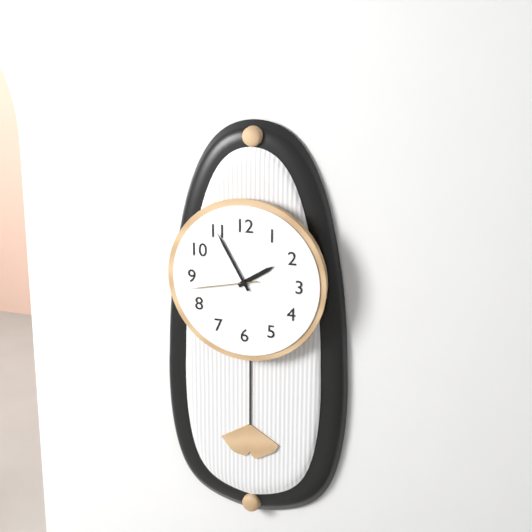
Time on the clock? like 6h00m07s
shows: 1h55m43s
